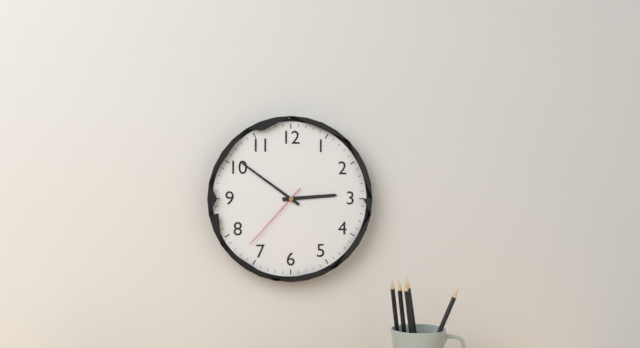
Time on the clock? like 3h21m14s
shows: 2h51m37s
